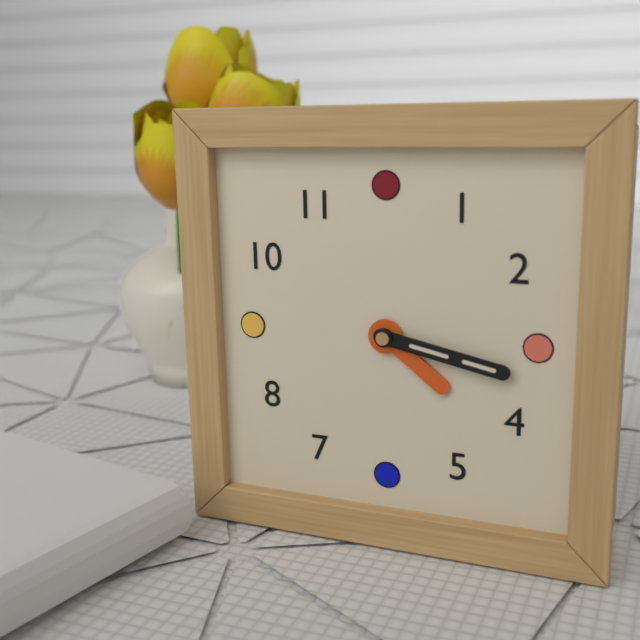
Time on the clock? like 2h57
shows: 4h17
